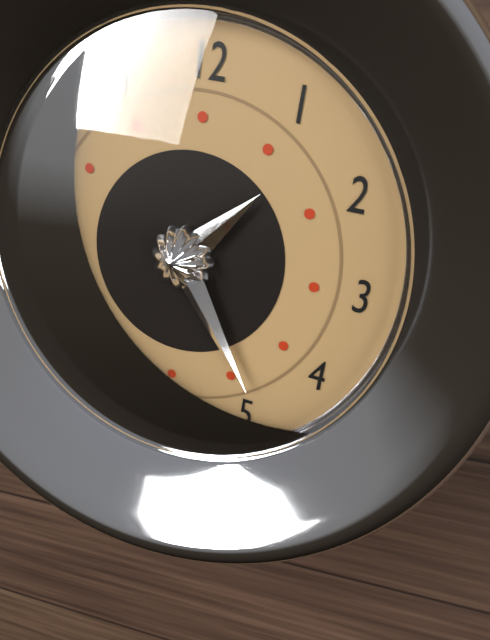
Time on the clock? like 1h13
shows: 1h24
